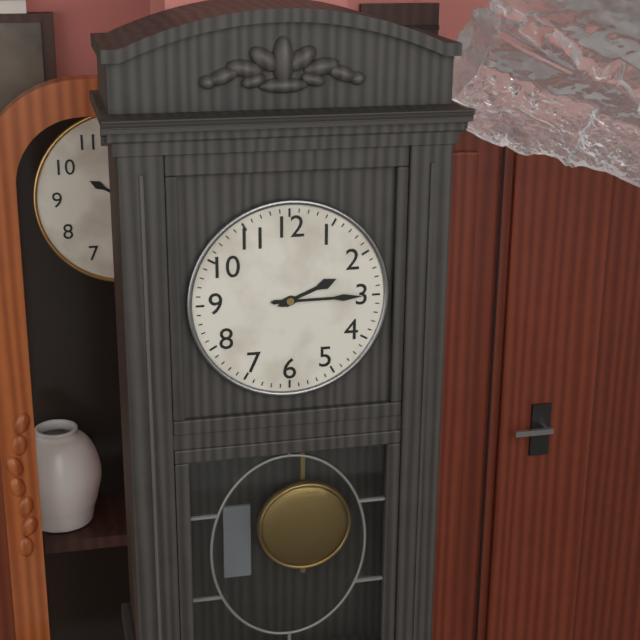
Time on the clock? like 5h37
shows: 2h15
